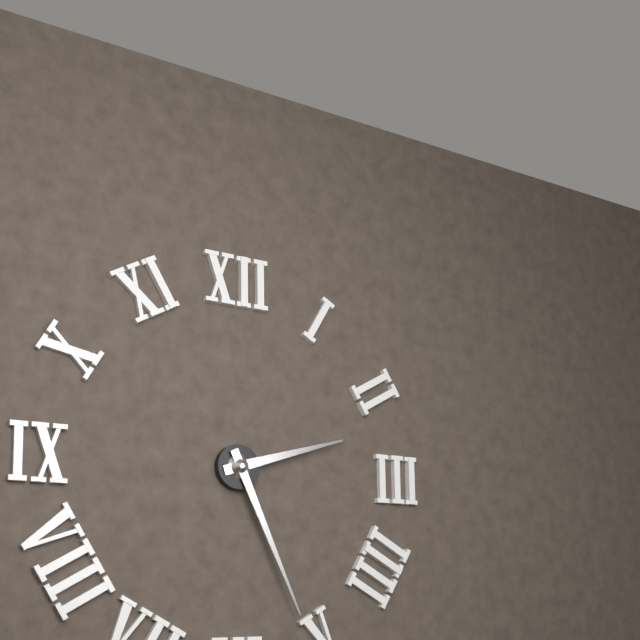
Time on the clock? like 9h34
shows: 2h26
